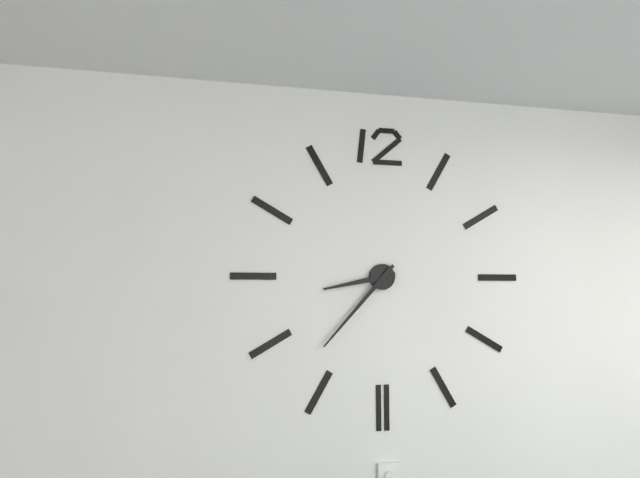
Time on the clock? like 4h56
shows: 8h37
